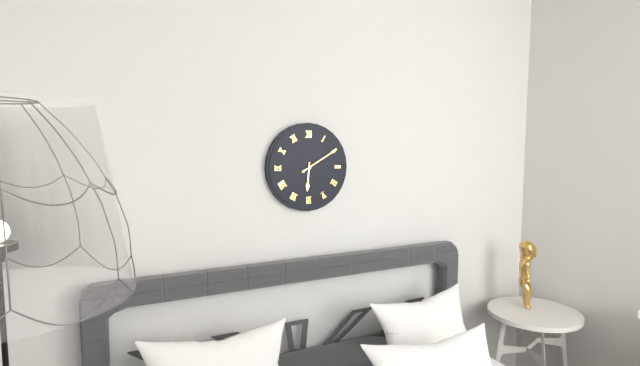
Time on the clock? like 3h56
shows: 6h10
